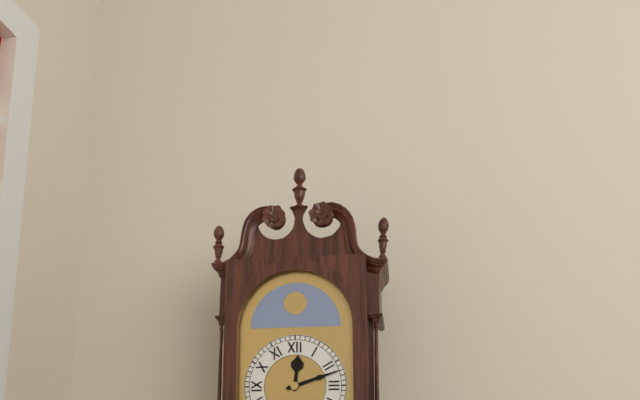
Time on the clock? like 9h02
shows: 12h12
